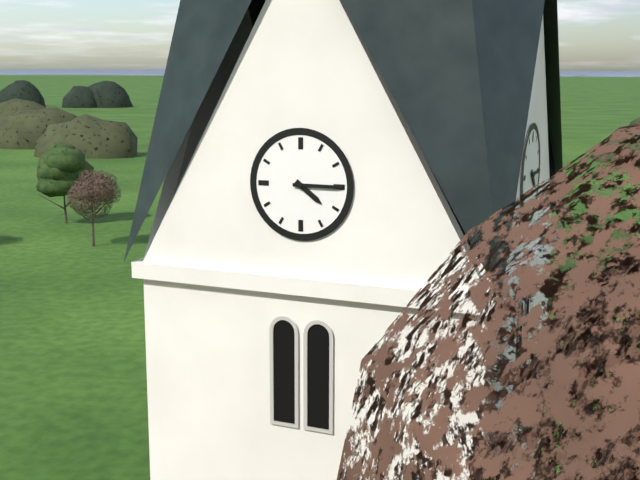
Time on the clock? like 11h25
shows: 4h15
